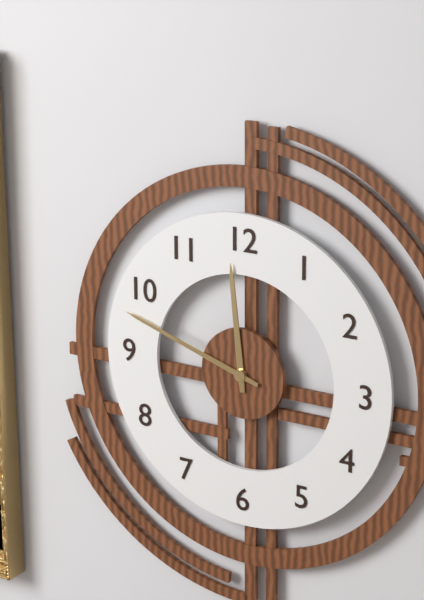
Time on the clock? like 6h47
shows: 11h48
